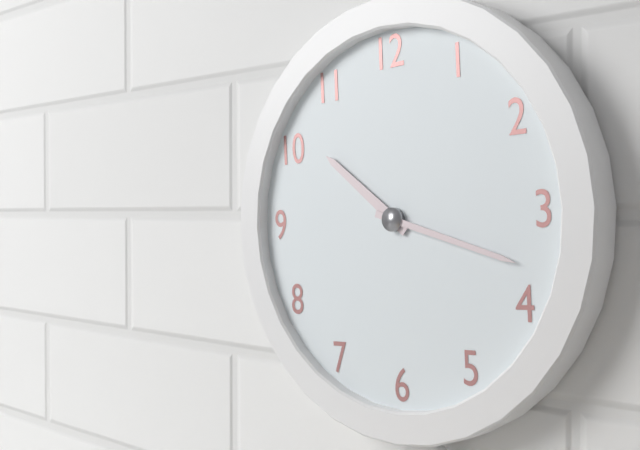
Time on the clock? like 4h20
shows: 10h18
